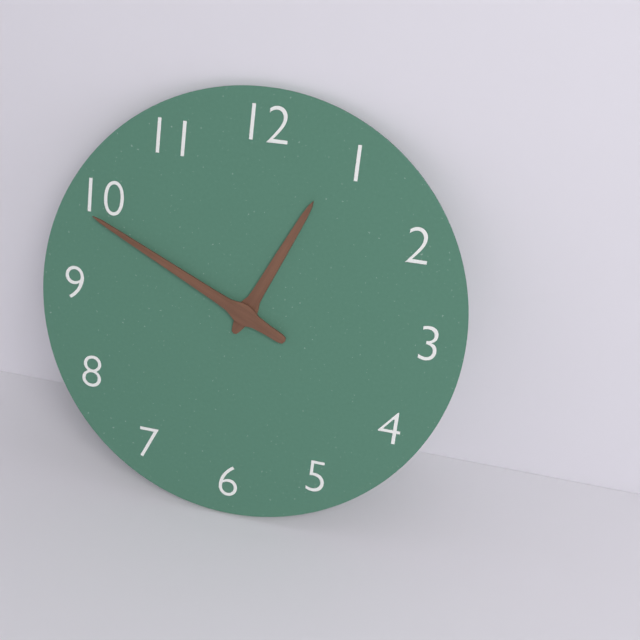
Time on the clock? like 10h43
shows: 12h49
